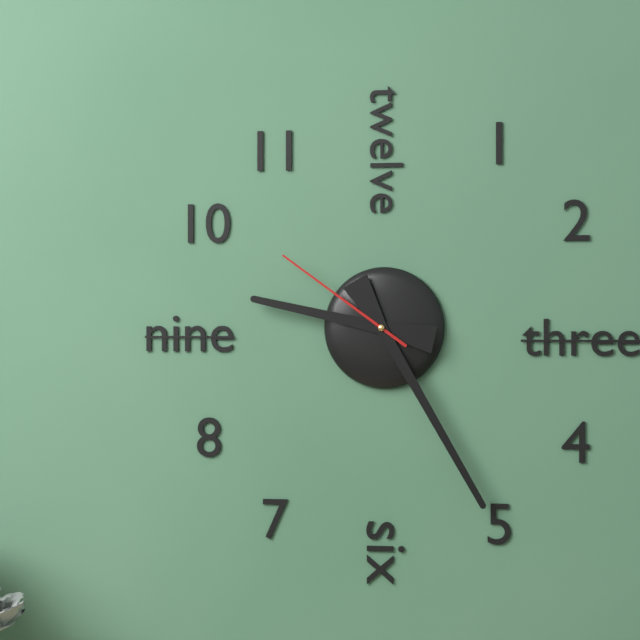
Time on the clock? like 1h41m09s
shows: 9h25m51s
